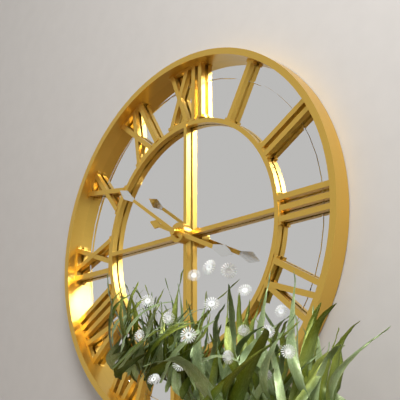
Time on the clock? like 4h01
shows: 3h51
